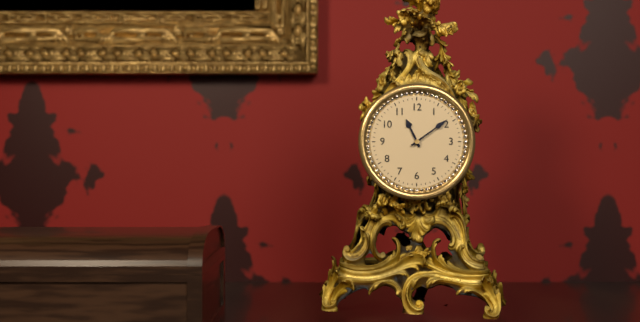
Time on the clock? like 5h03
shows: 11h09
